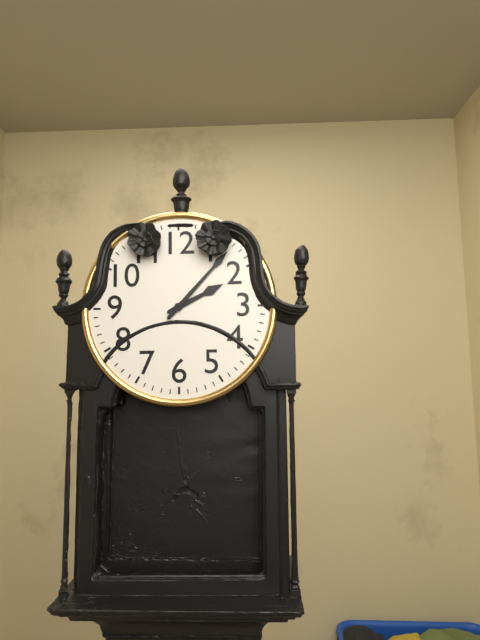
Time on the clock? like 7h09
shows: 2h07
